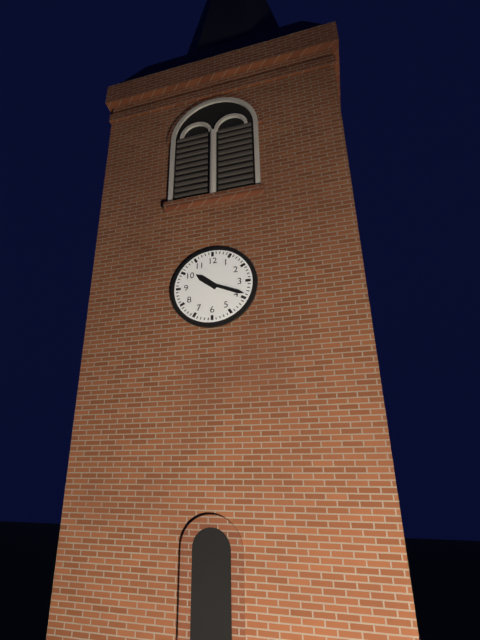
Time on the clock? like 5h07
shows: 10h19
